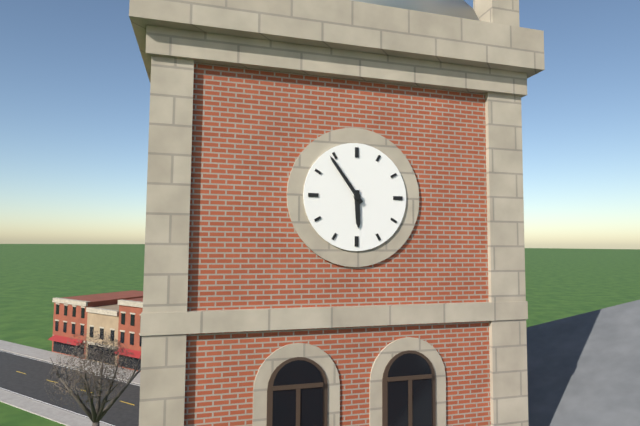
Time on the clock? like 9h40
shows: 5h54
